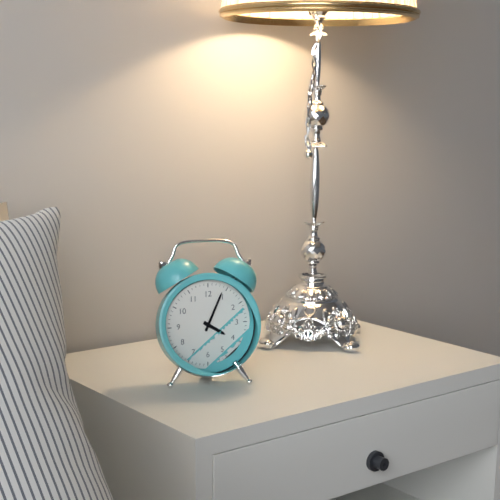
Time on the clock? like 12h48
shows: 4h04
